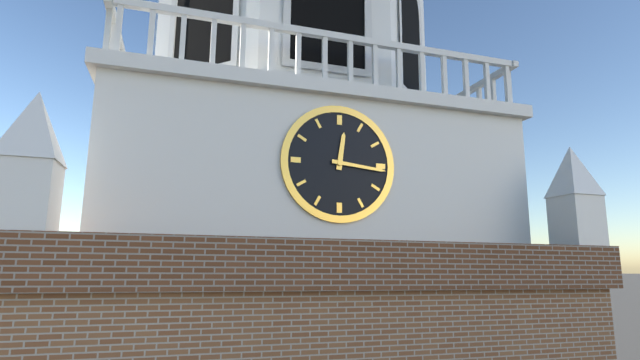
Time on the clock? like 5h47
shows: 12h16
